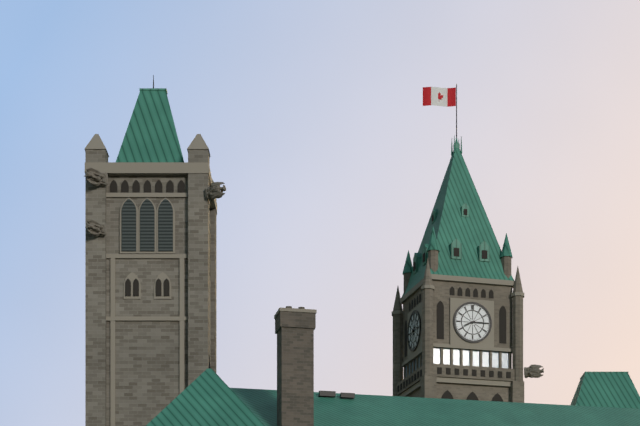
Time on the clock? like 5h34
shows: 8h15
